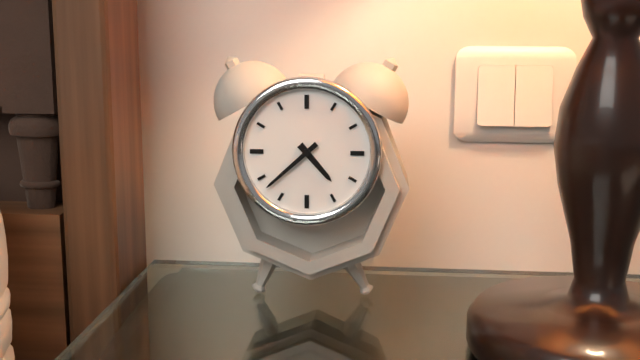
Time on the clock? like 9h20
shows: 4h38
